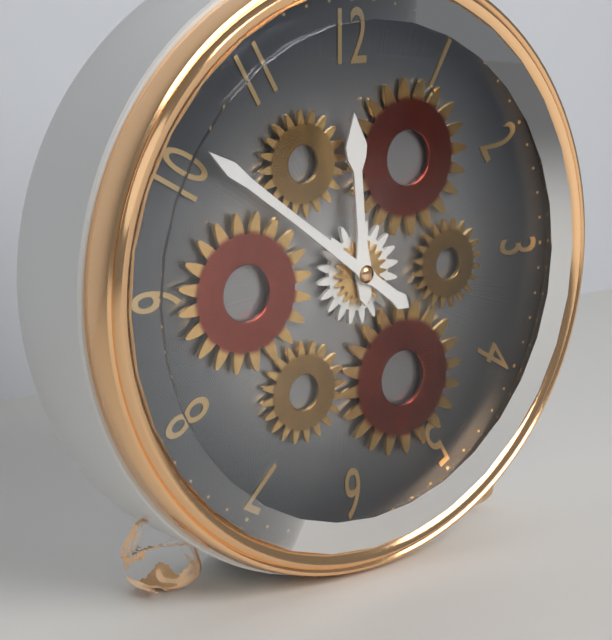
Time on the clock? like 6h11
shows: 11h51
